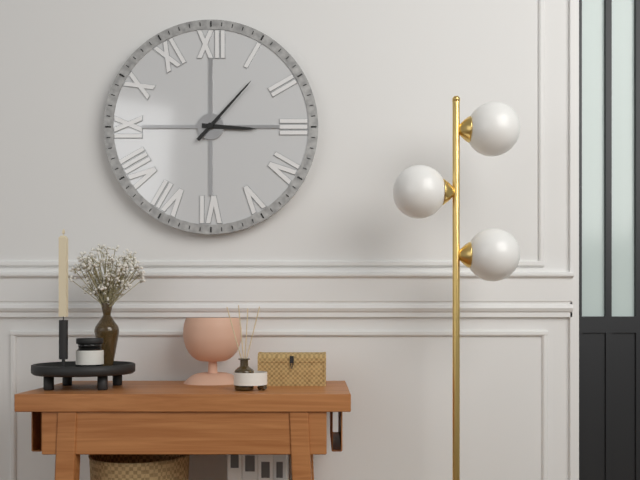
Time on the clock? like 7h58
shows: 3h07
